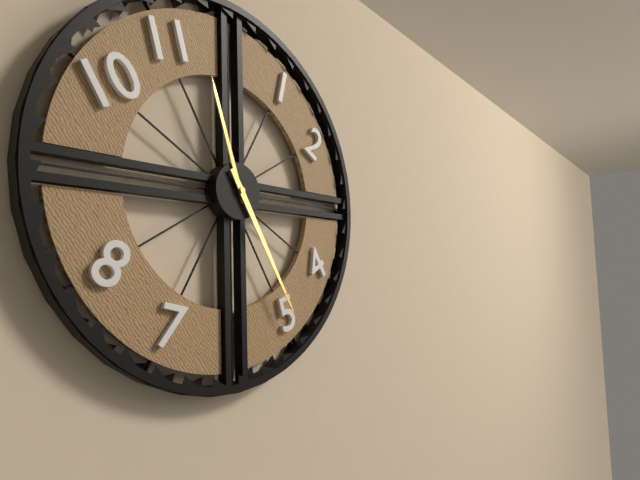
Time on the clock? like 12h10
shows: 11h25
